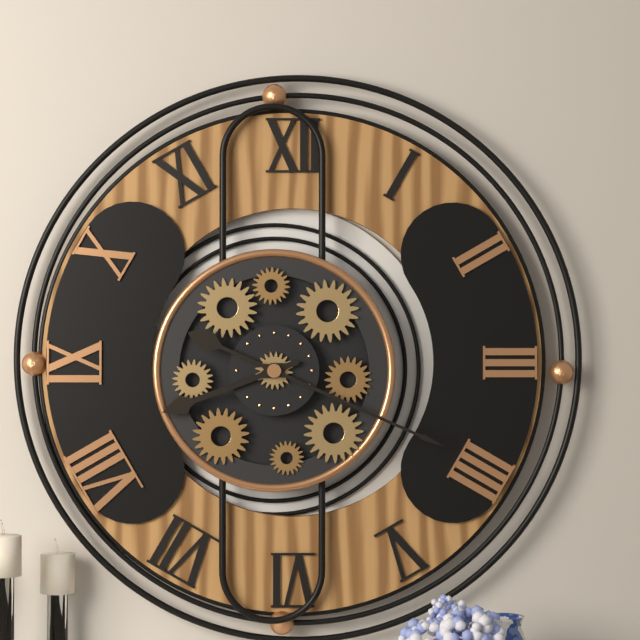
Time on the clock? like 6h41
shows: 8h19
